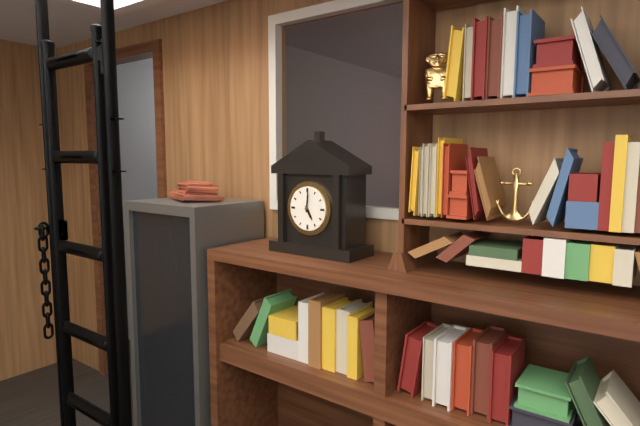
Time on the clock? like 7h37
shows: 5h01
